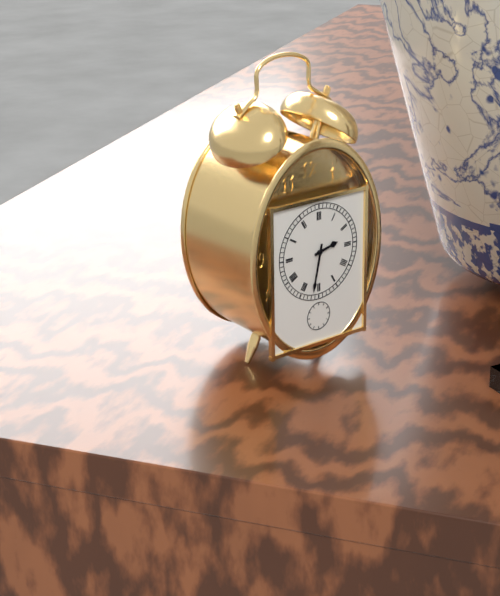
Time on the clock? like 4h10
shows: 2h32
